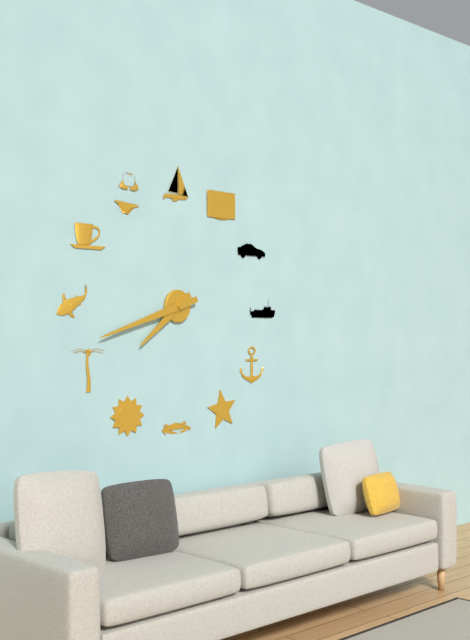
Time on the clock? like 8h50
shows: 7h42
